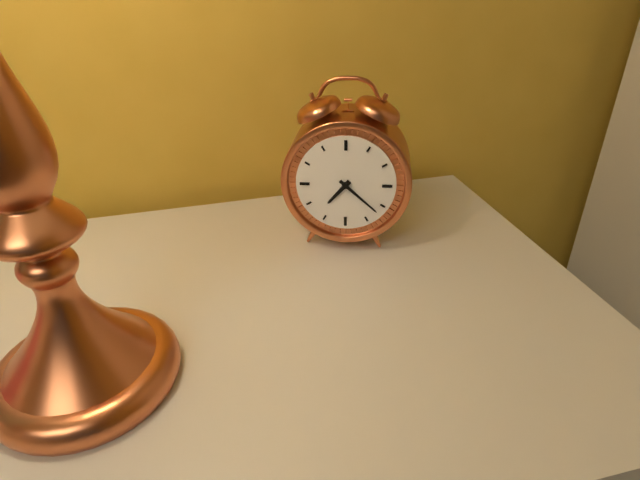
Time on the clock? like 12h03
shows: 7h22
